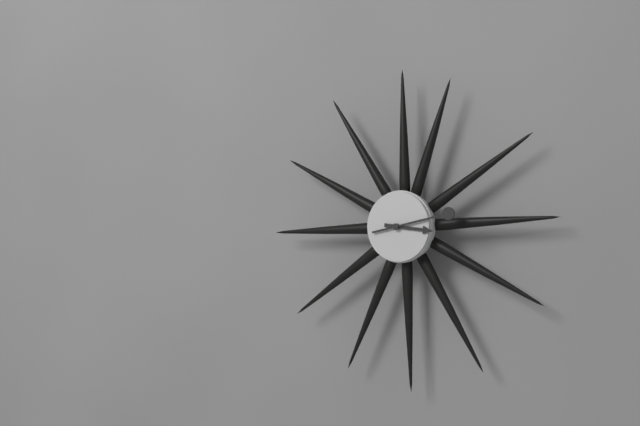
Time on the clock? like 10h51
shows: 3h13
